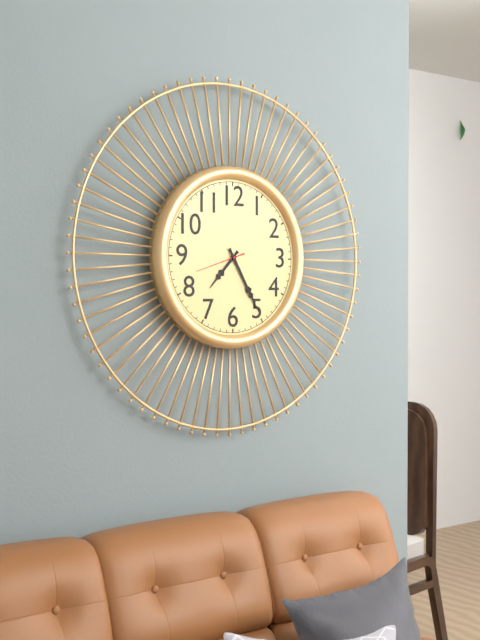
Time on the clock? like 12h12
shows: 7h25
